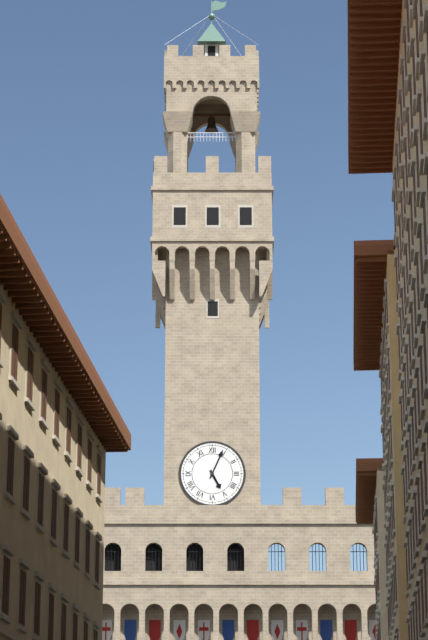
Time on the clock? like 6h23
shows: 5h04
